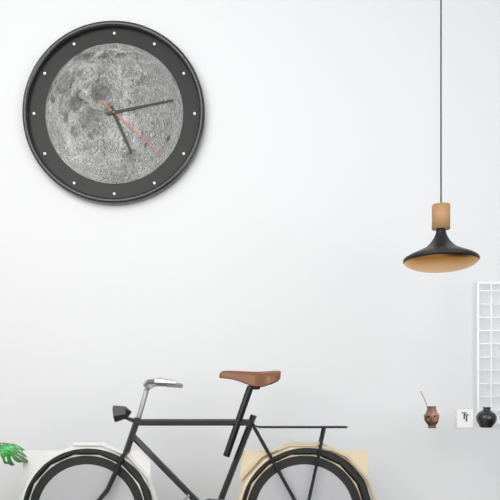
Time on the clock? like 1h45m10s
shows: 5h13m22s
